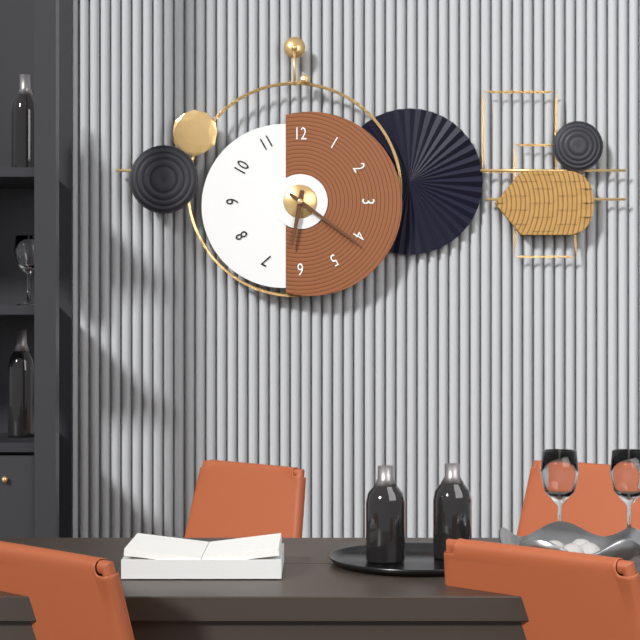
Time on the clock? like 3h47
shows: 6h21
